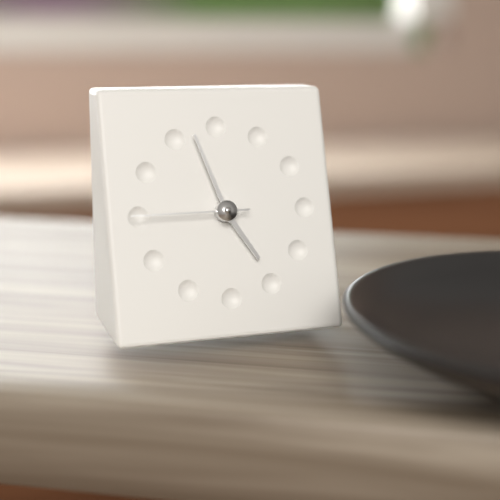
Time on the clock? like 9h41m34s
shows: 4h57m45s
